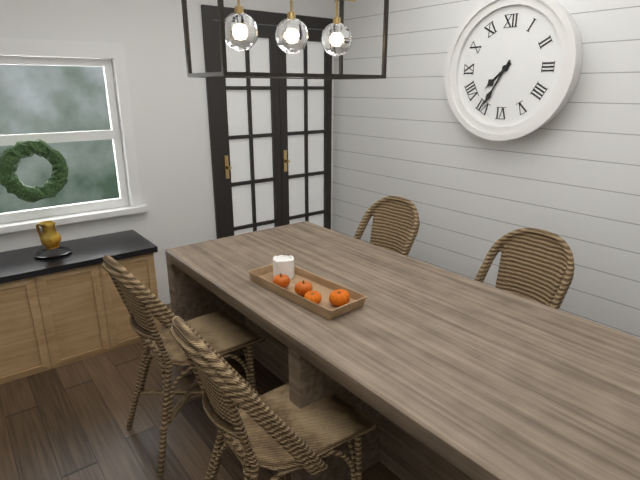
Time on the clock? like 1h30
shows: 7h35
